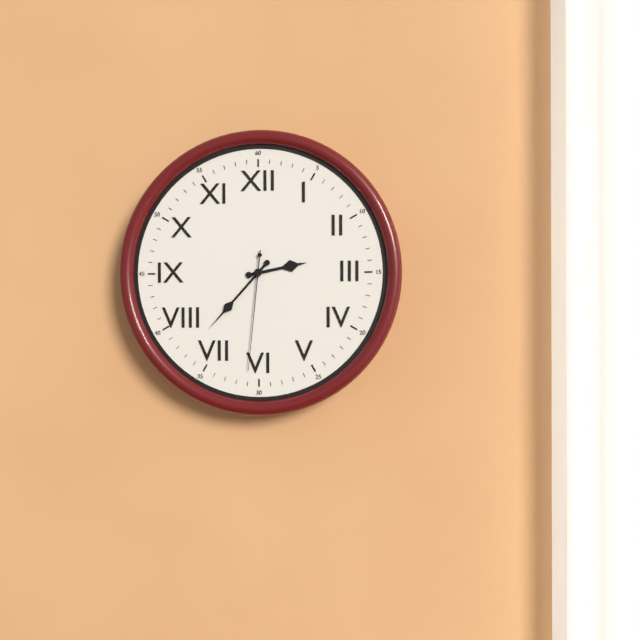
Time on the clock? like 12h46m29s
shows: 2h37m31s
